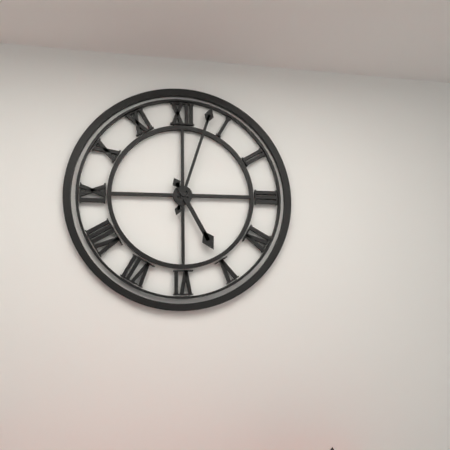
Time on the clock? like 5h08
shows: 5h03
